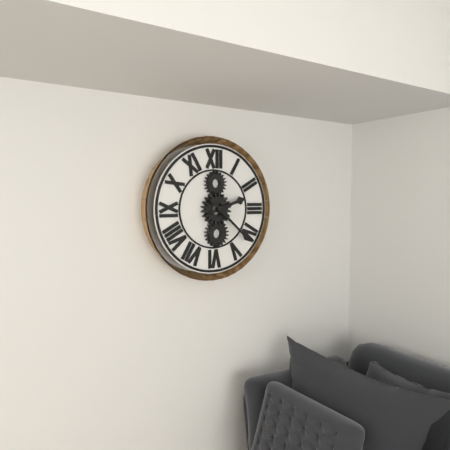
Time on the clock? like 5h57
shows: 2h22
